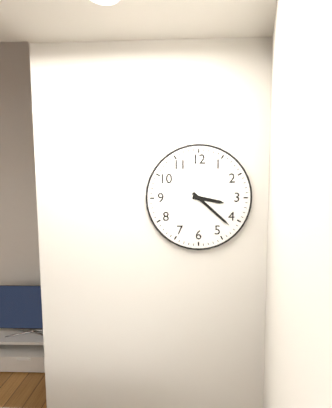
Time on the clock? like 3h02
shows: 3h22
